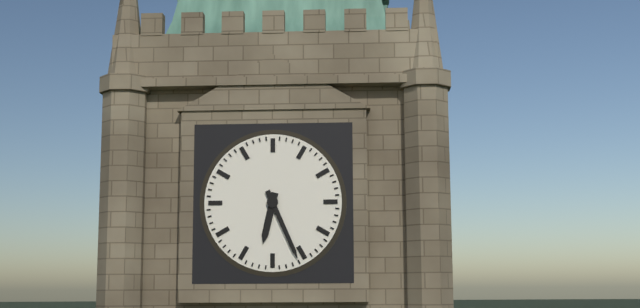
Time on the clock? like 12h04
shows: 6h26
